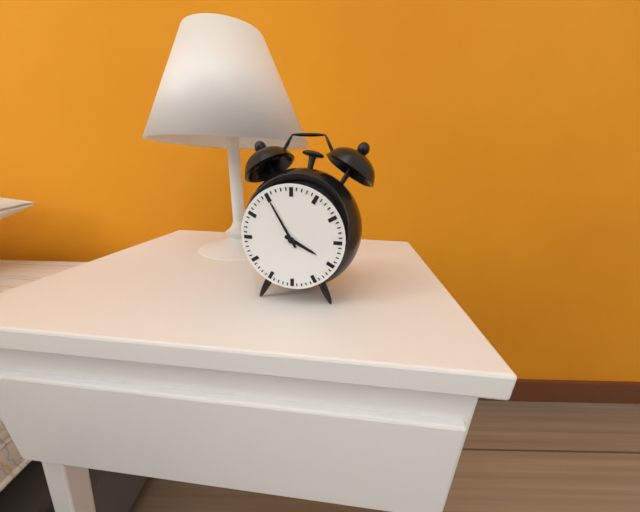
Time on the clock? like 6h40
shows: 3h55
